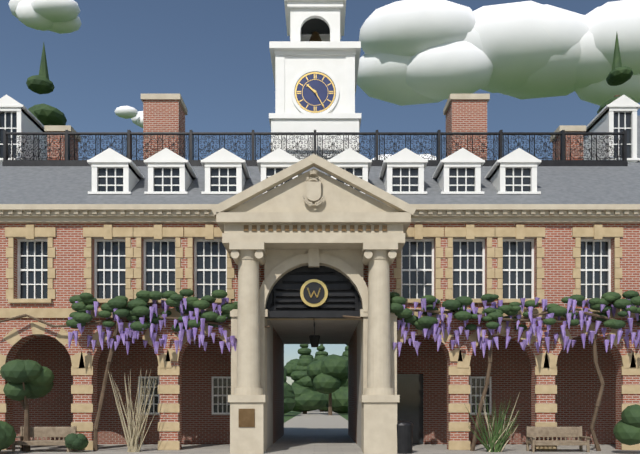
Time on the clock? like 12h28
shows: 10h25
